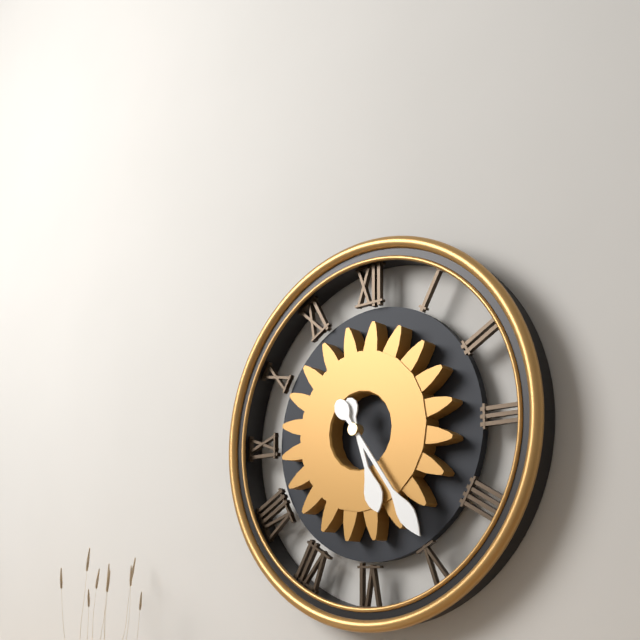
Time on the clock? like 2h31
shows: 5h24
